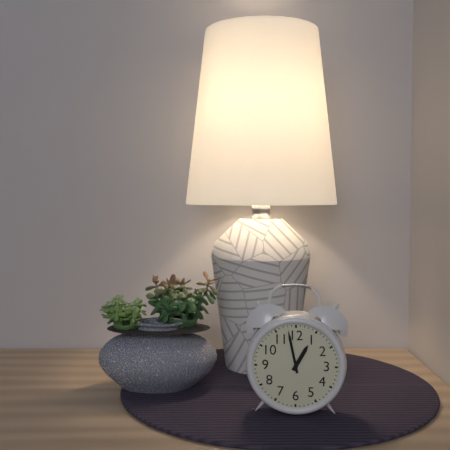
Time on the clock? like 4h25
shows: 12h58
